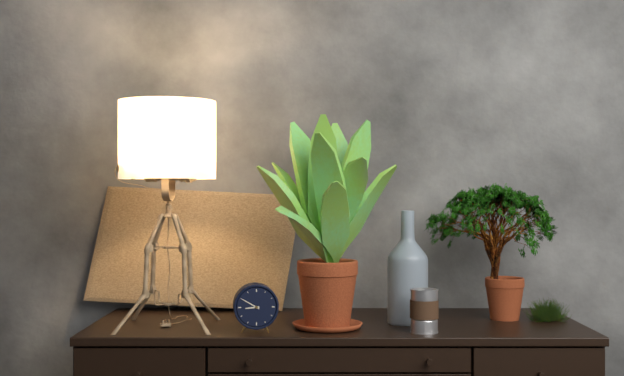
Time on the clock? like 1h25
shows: 8h50
